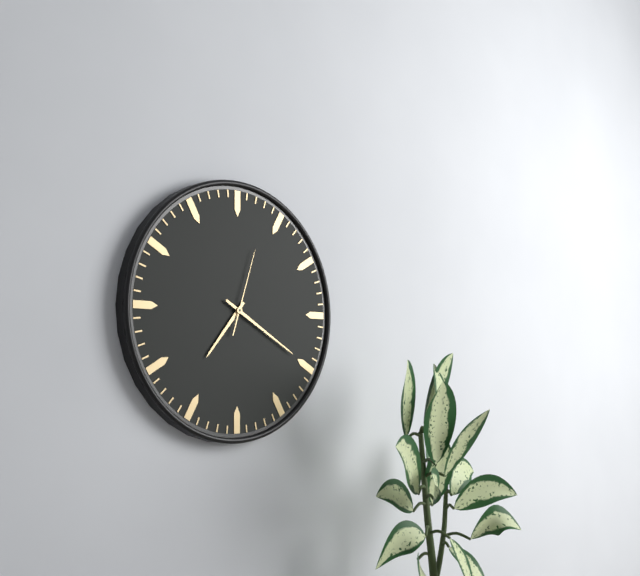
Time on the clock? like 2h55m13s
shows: 7h20m03s
